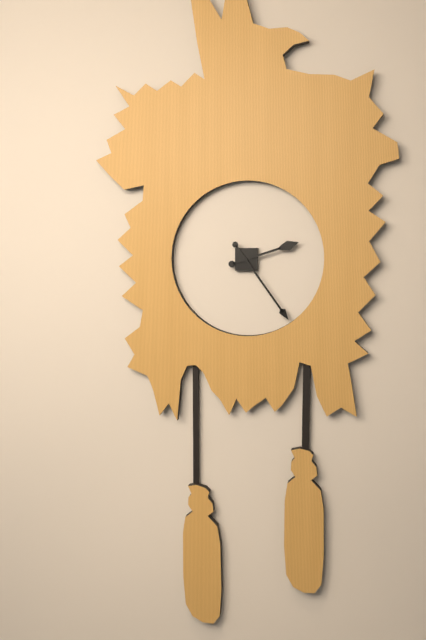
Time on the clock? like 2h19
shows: 2h24
